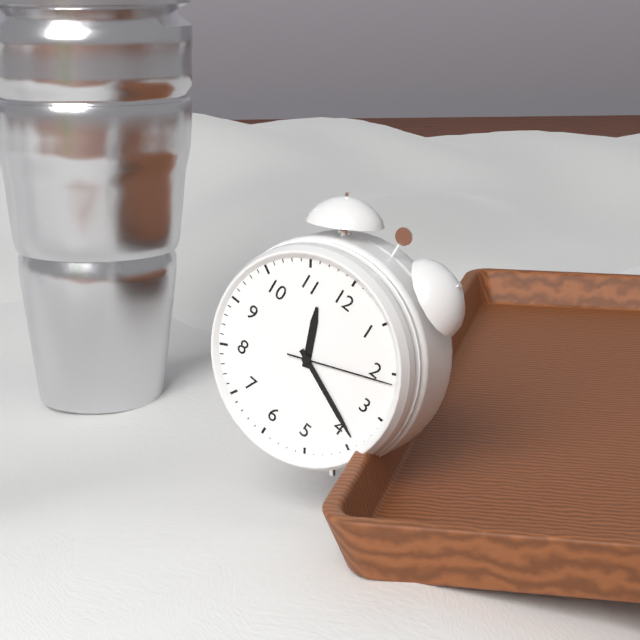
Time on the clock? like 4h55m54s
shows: 11h19m11s
